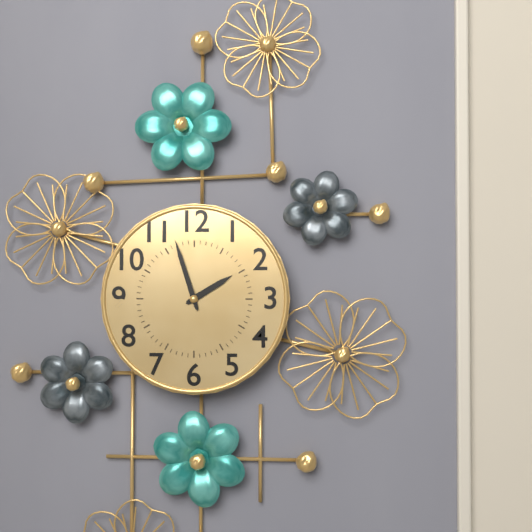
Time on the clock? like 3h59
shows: 1h57
